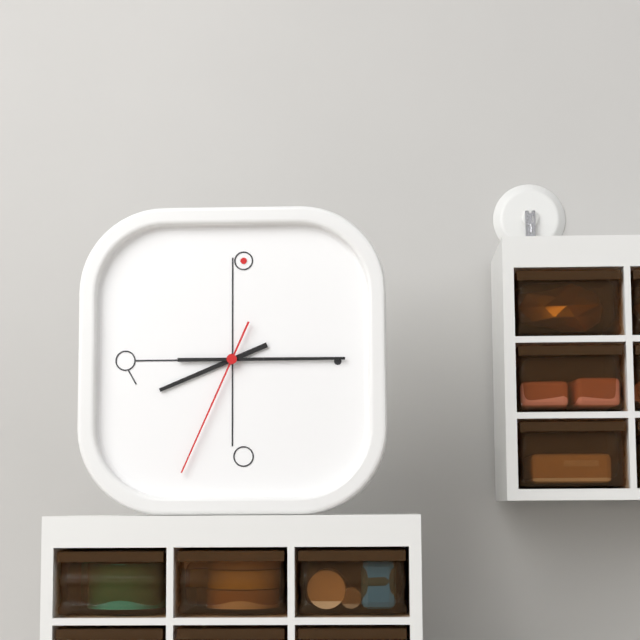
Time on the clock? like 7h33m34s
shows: 8h15m34s
